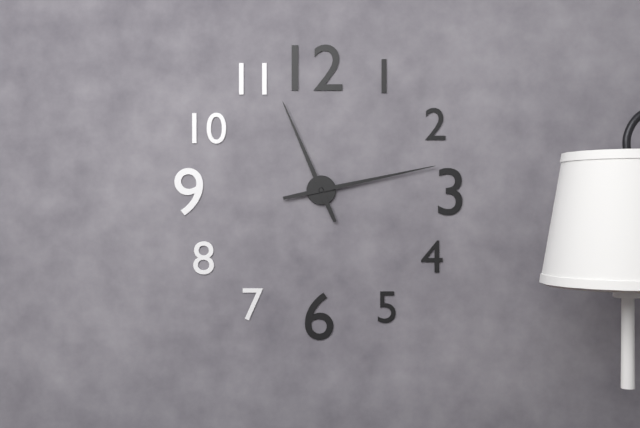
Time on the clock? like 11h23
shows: 11h13
